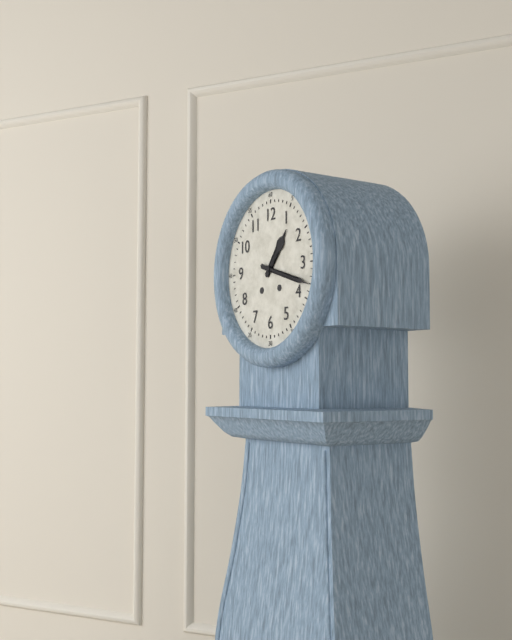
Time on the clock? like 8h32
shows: 1h18
